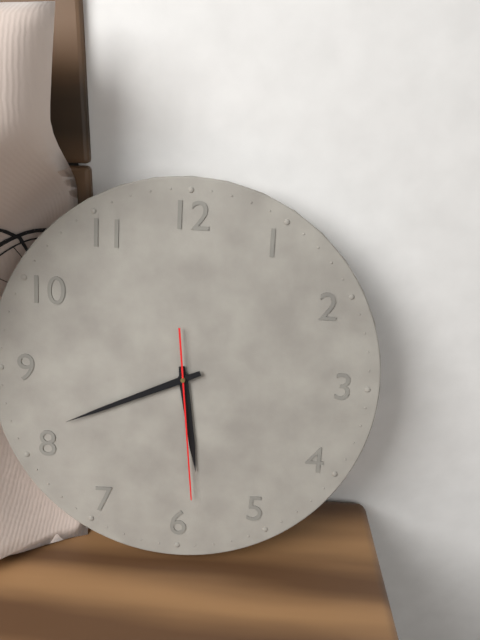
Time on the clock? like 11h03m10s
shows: 5h41m29s
